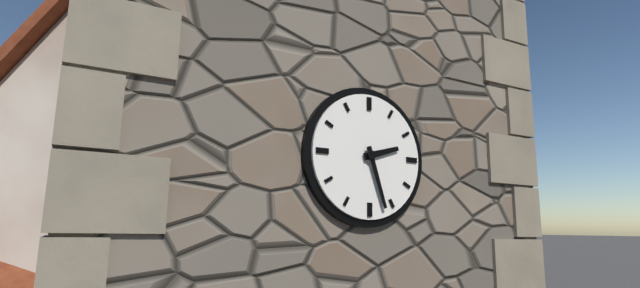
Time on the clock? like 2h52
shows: 2h27
